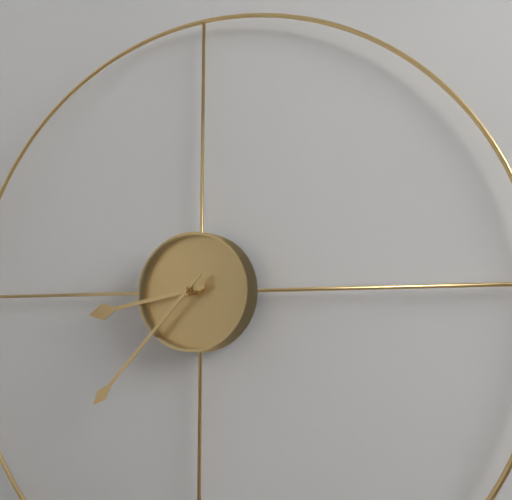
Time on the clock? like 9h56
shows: 8h37
